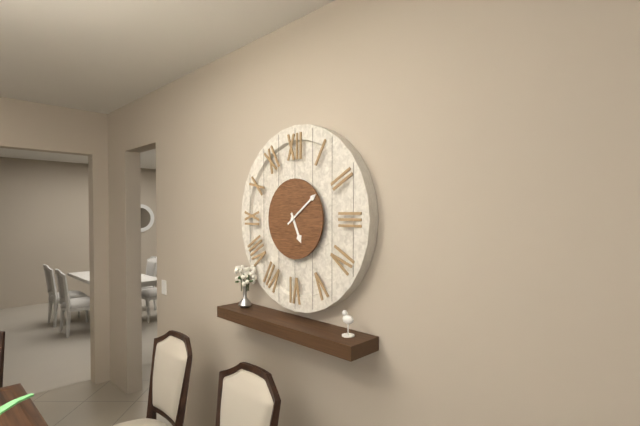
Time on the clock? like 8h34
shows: 5h09
